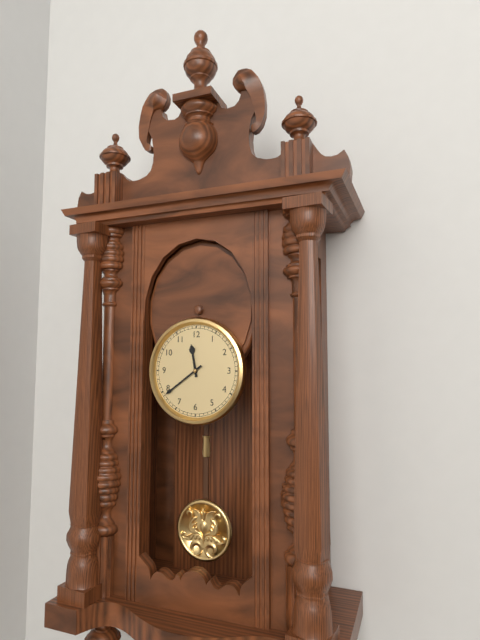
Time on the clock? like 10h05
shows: 11h39
